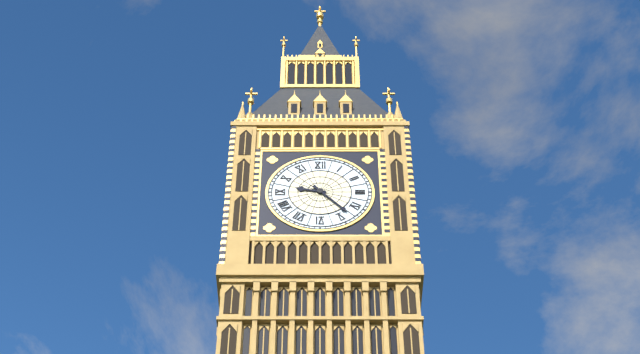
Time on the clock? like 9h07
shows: 9h23
